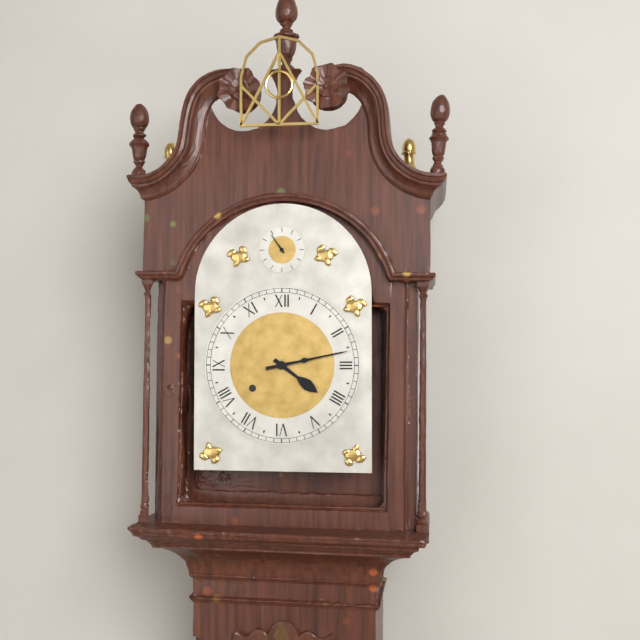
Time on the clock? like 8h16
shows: 4h13
